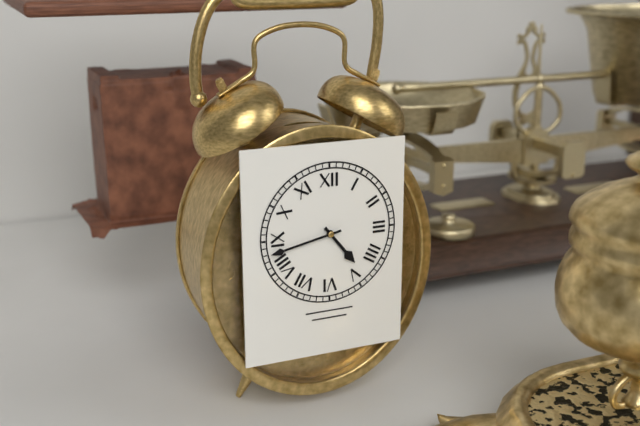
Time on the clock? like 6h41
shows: 4h43
